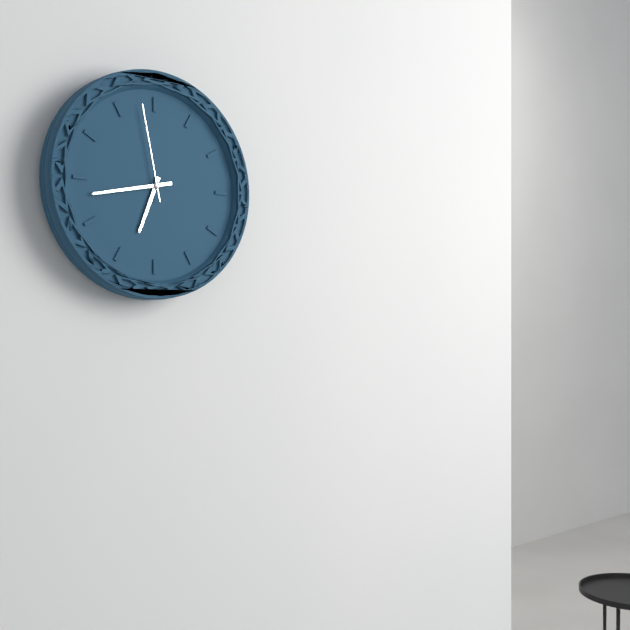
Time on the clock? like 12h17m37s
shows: 6h43m58s
